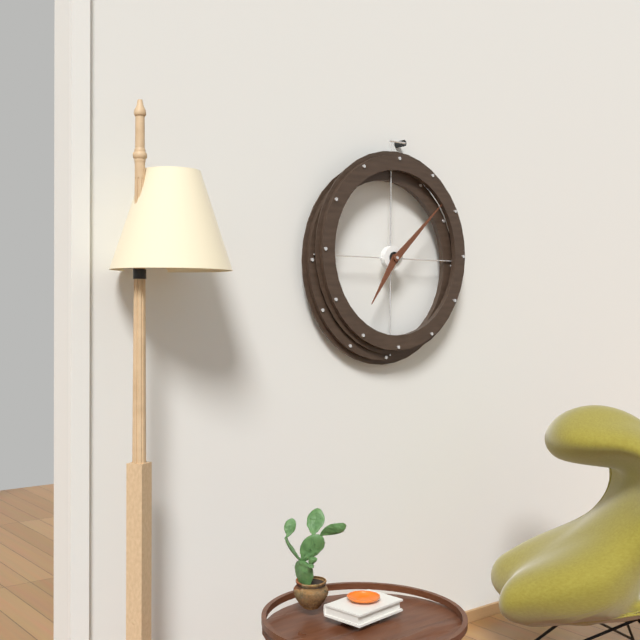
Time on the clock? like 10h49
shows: 7h08
